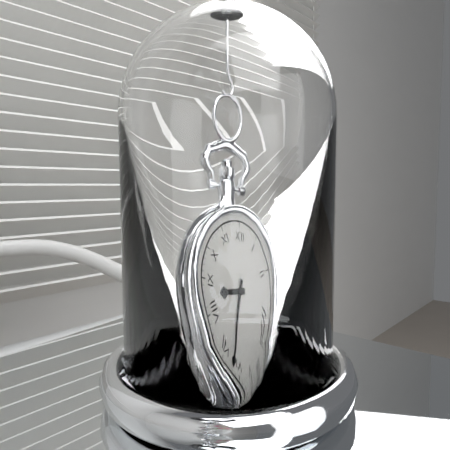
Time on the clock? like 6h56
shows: 8h32
